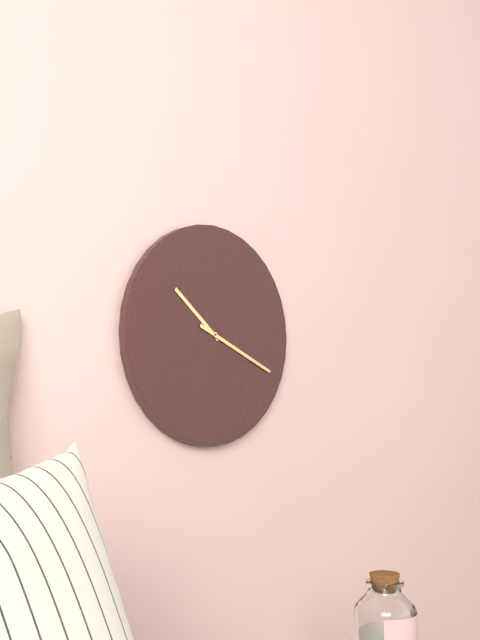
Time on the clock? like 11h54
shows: 10h19
